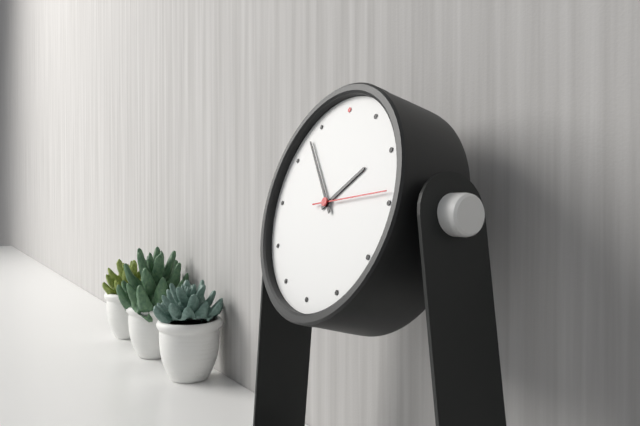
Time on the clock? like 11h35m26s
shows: 1h53m14s
